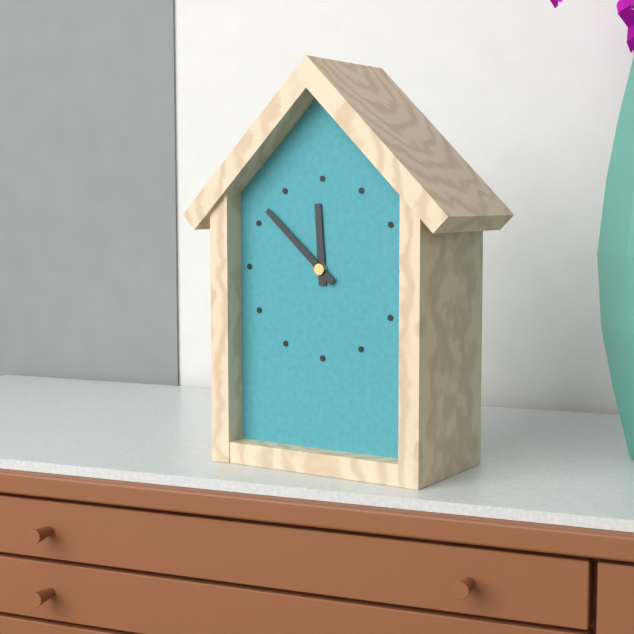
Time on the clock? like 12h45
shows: 11h52
